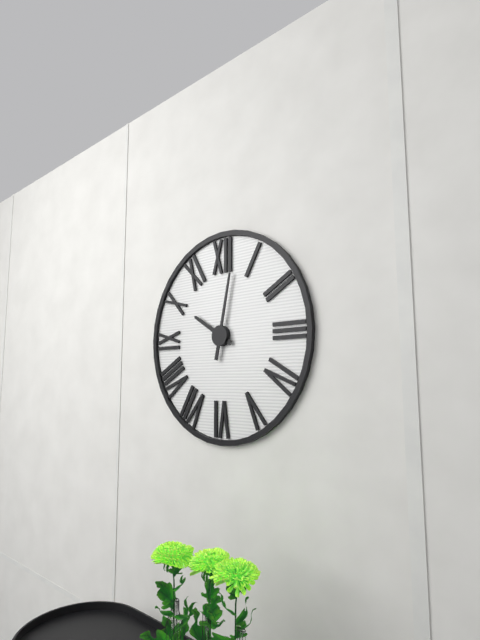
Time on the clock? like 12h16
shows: 10h02
